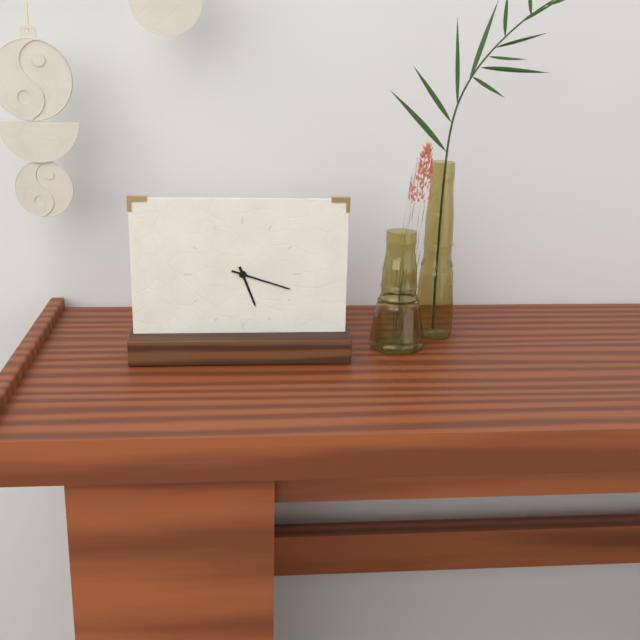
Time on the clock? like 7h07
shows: 5h18
